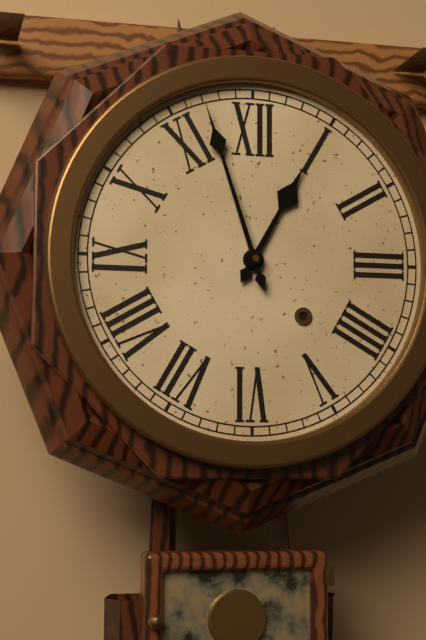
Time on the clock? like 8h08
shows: 12h57
